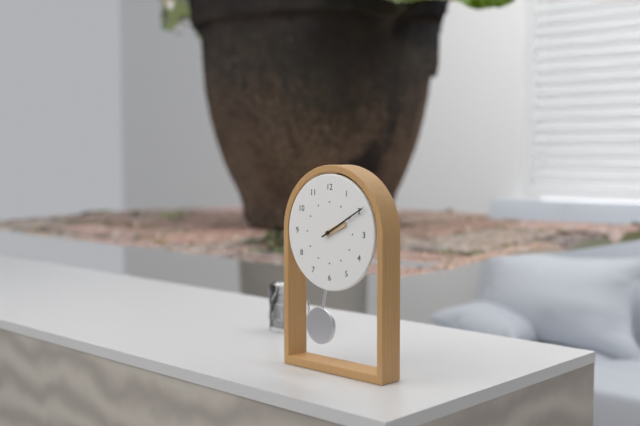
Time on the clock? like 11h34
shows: 2h10
